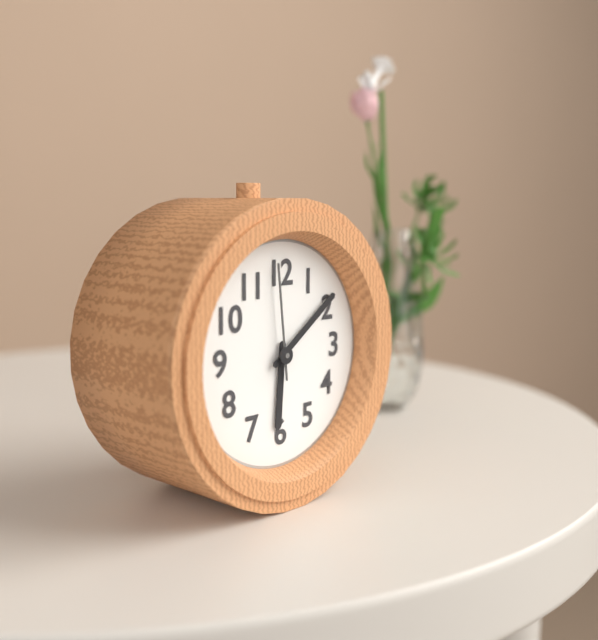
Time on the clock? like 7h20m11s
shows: 6h09m59s
